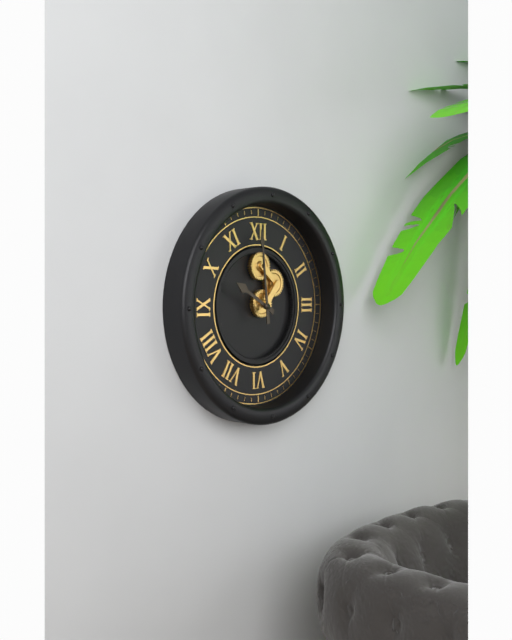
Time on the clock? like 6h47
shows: 9h59
